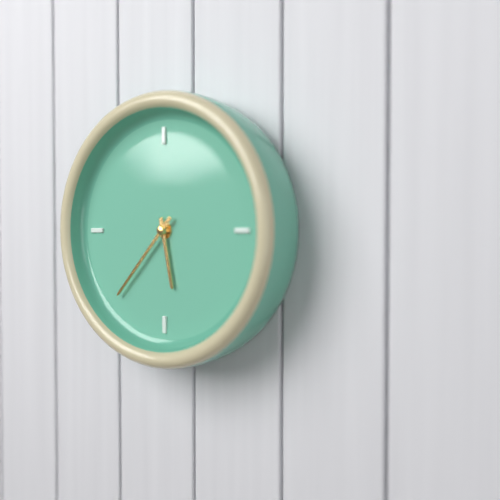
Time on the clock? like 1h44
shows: 5h37
